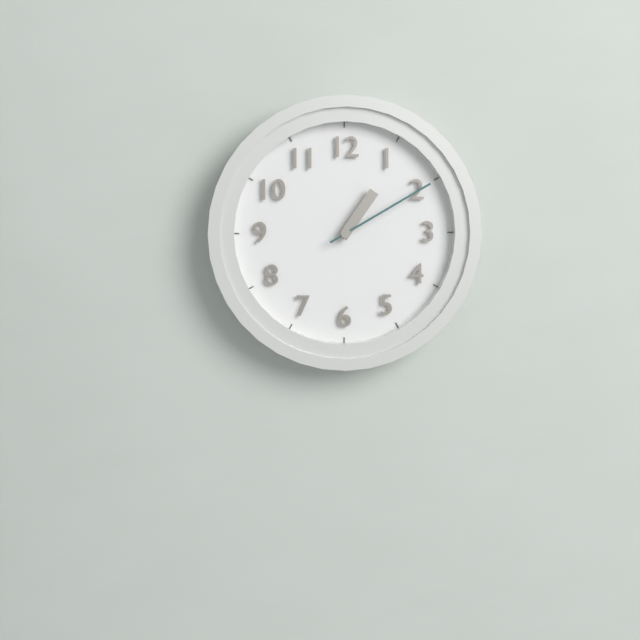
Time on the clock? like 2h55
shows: 1h10
